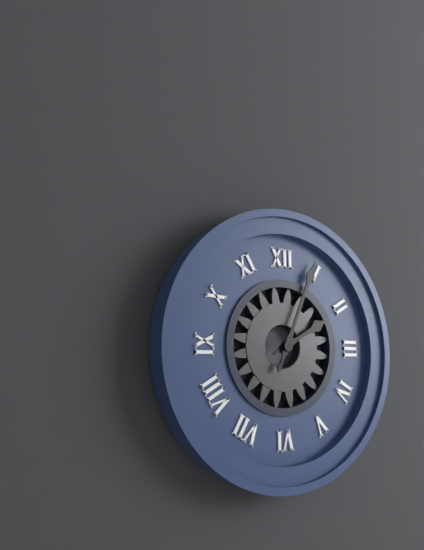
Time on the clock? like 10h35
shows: 2h04
